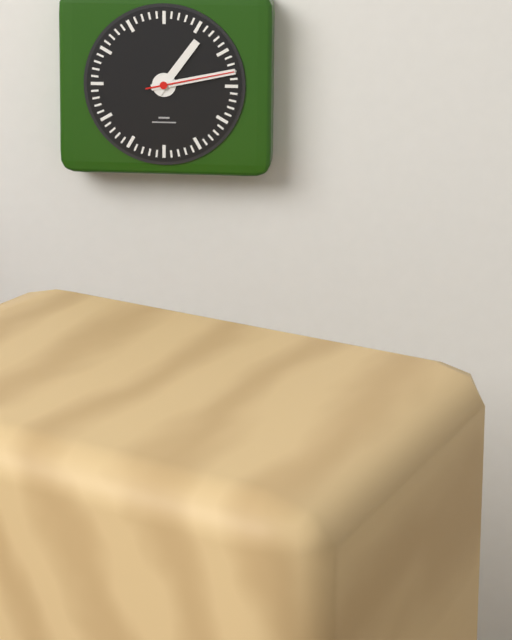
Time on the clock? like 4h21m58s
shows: 1h13m13s
